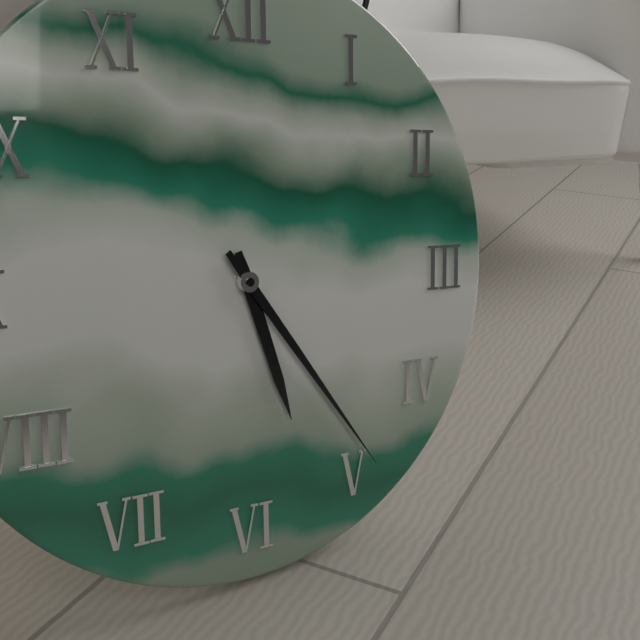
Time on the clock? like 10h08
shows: 5h24
